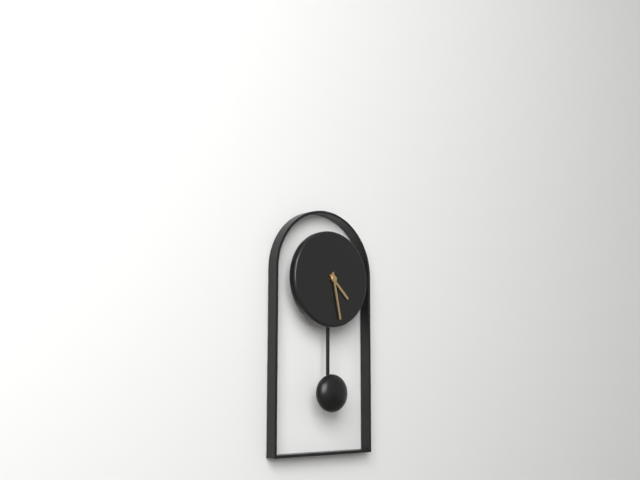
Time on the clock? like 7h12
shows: 4h28
